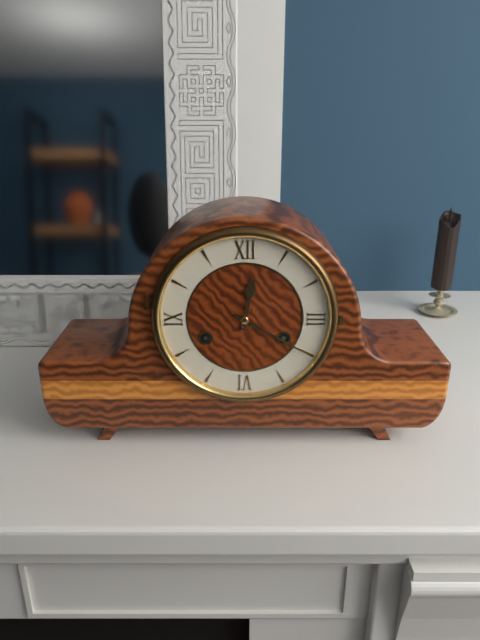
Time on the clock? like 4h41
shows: 12h20
